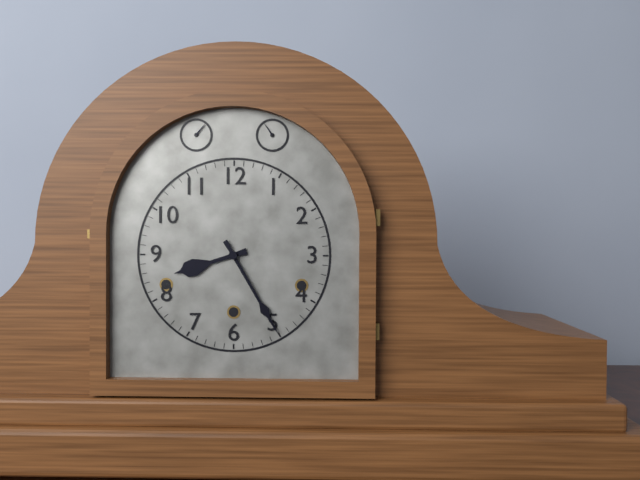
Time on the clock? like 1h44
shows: 8h25
